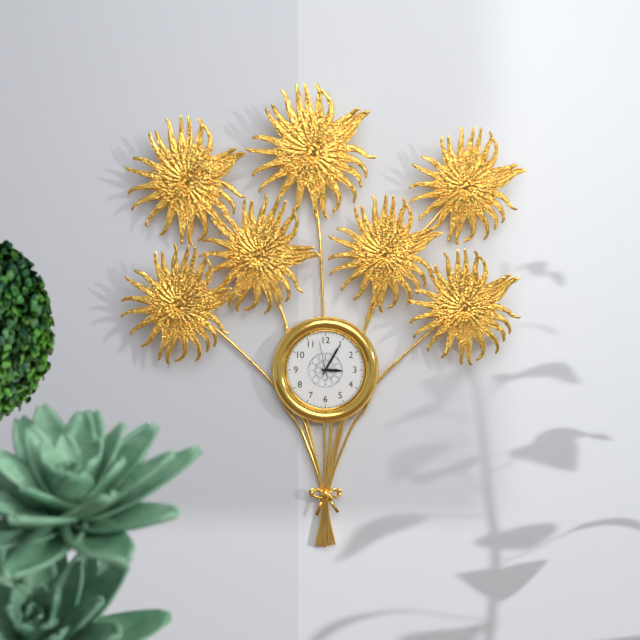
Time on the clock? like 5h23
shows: 3h05
